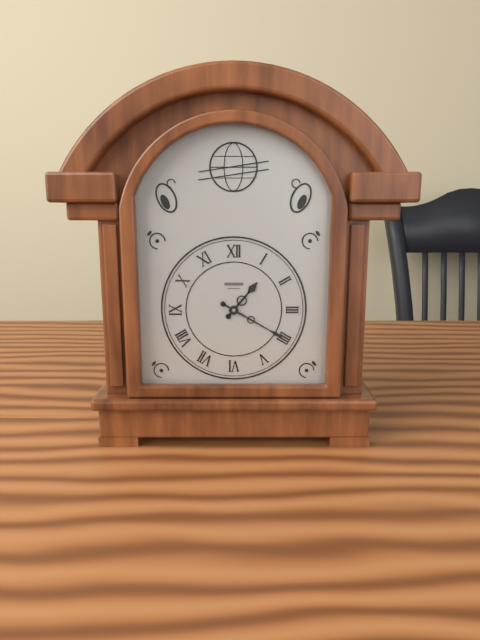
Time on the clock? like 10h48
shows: 1h20
